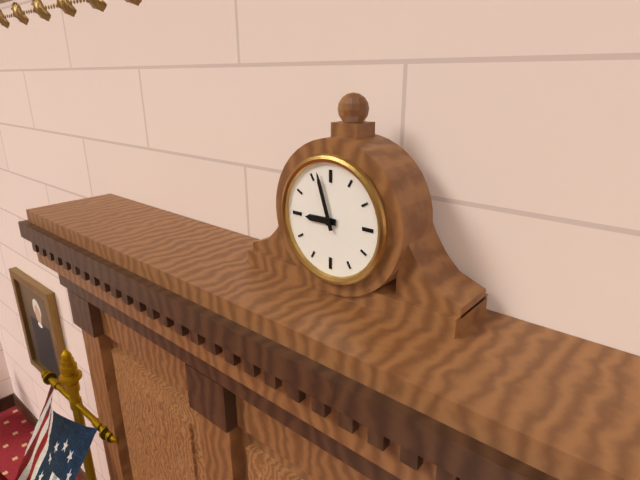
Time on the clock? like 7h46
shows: 8h57
